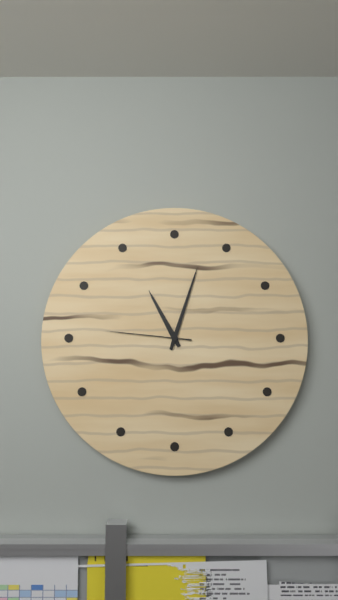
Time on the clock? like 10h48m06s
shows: 11h03m46s
